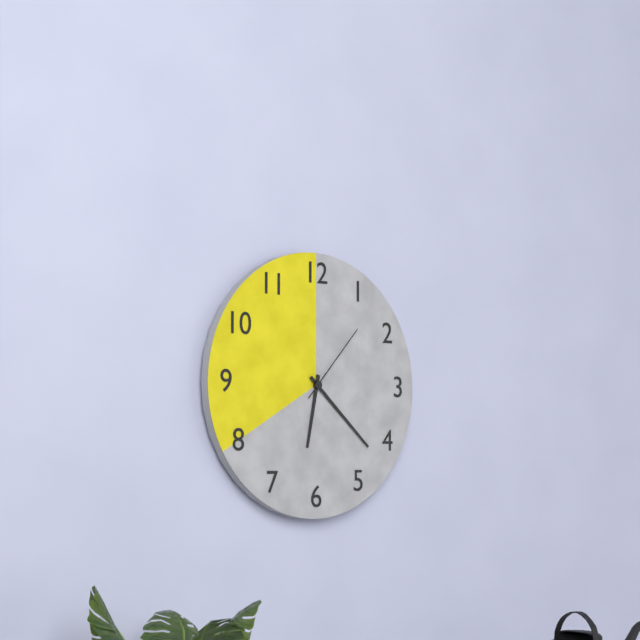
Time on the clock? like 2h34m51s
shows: 6h22m07s
